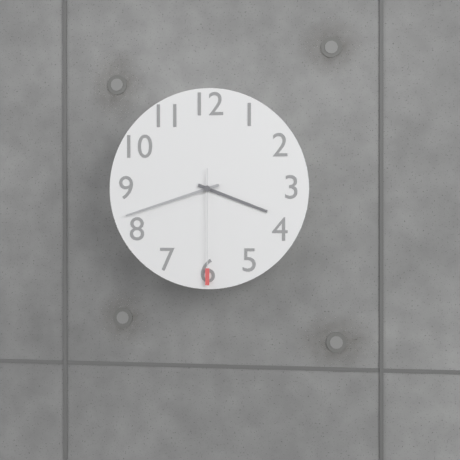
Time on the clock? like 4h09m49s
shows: 3h42m30s
